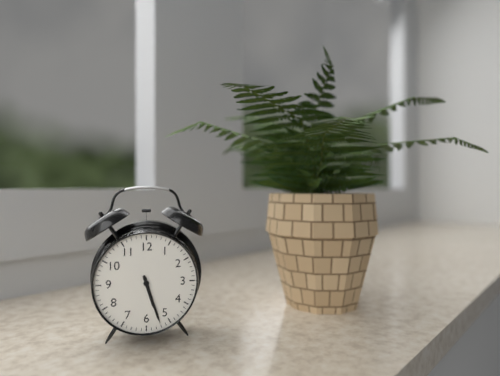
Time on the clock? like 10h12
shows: 5h27
